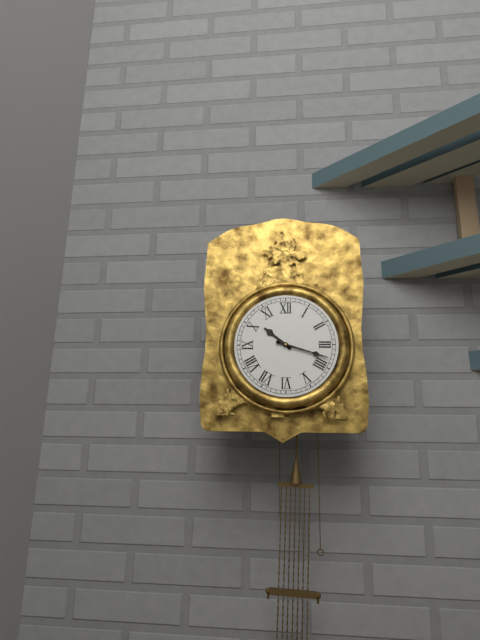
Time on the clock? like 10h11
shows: 10h18
